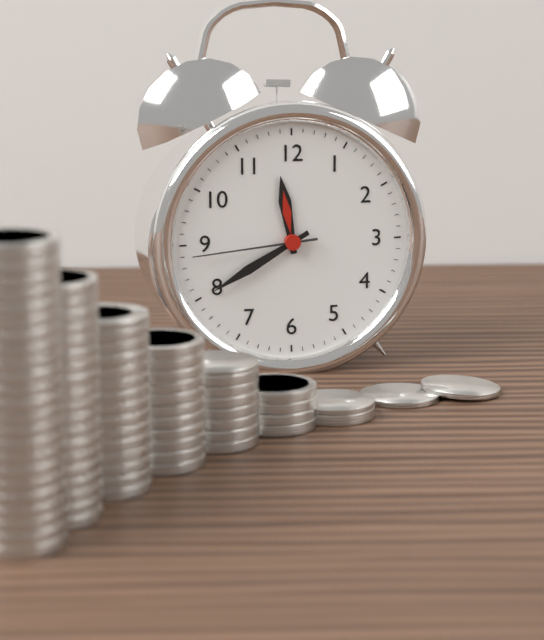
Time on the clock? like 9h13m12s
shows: 11h40m44s
